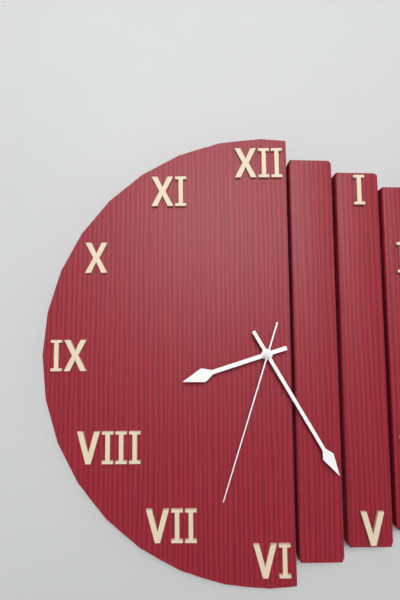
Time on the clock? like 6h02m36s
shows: 8h25m33s
